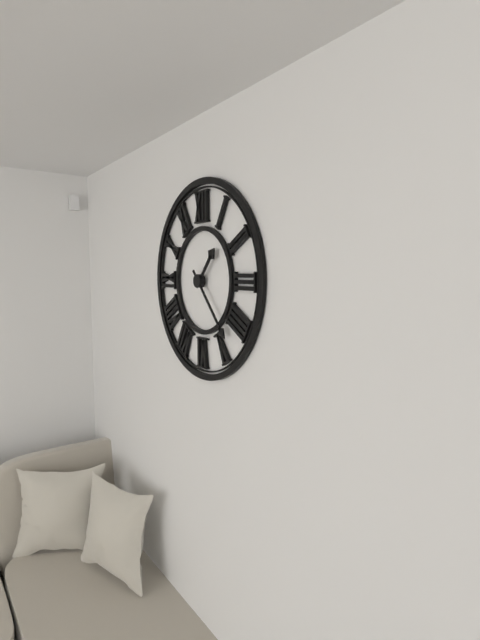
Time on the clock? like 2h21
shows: 1h23
